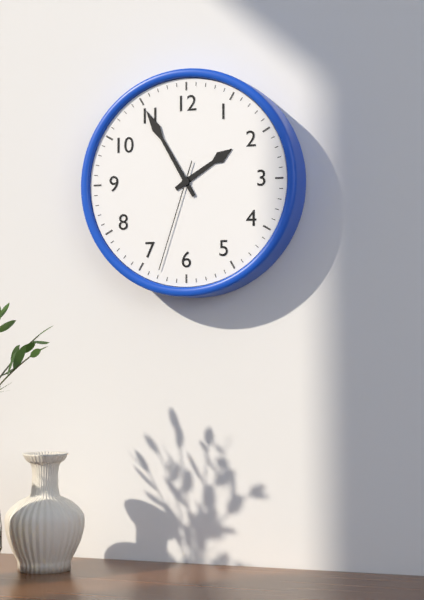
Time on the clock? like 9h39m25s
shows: 1h55m33s
